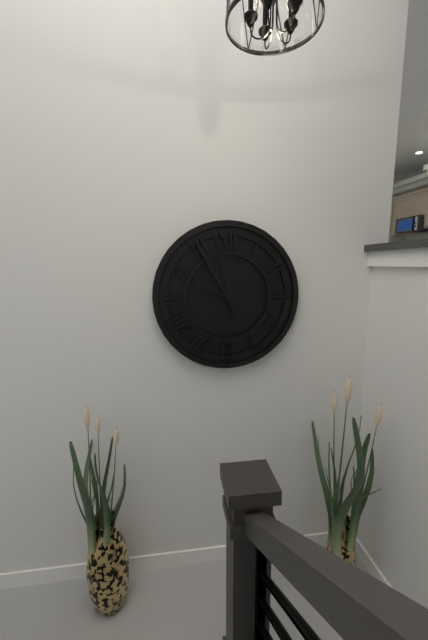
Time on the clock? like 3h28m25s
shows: 9h55m58s
